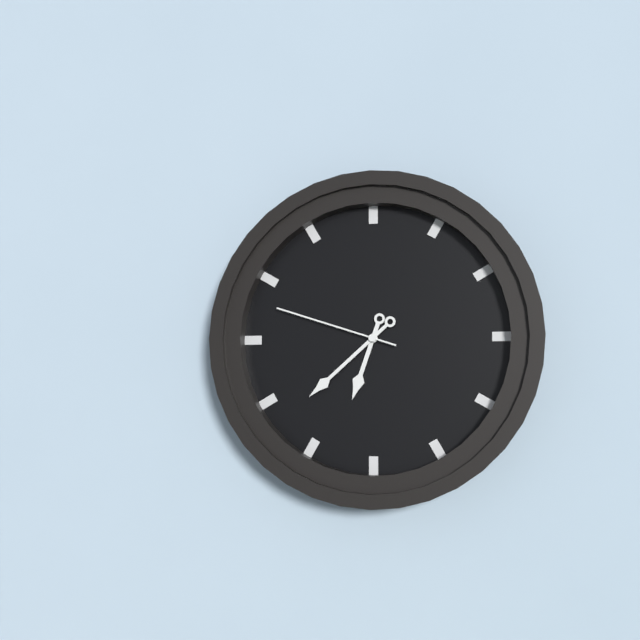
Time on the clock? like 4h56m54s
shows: 6h38m48s
